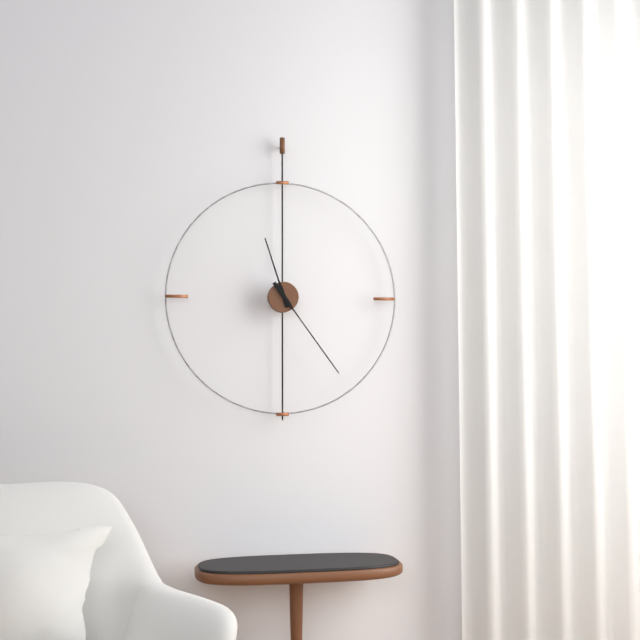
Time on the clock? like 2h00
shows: 11h24
